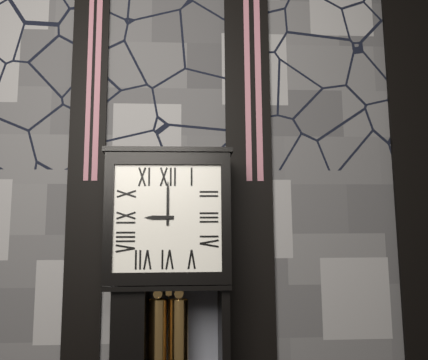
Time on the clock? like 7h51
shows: 9h00
